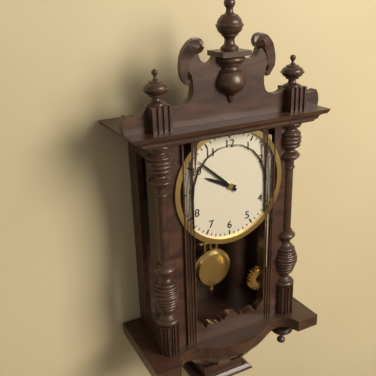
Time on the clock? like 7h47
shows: 9h52
